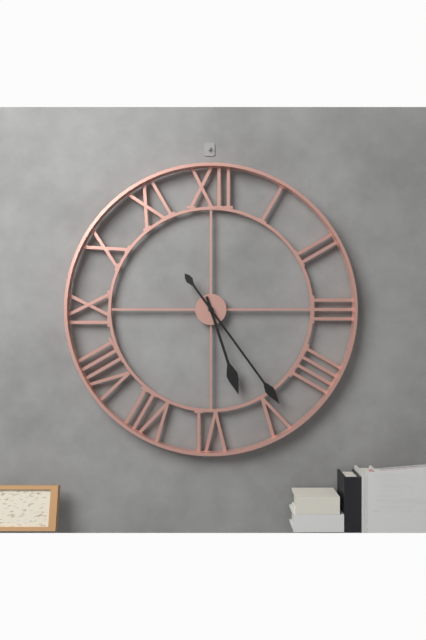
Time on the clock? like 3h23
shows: 5h24
